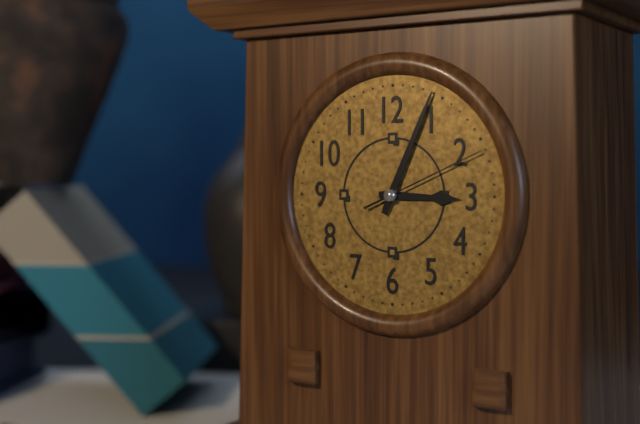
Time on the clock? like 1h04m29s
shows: 3h04m11s
